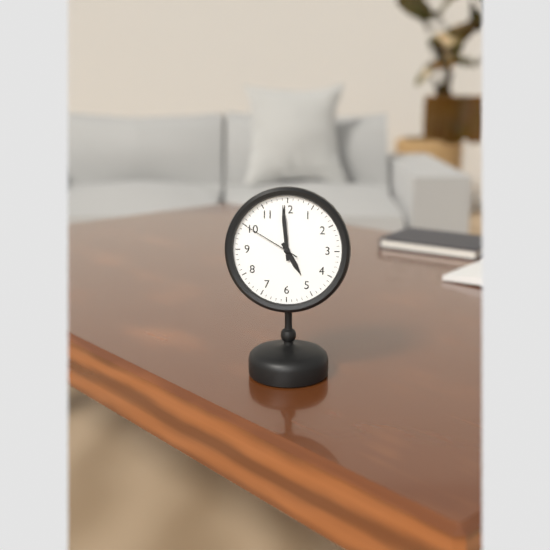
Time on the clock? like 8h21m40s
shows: 4h59m50s
